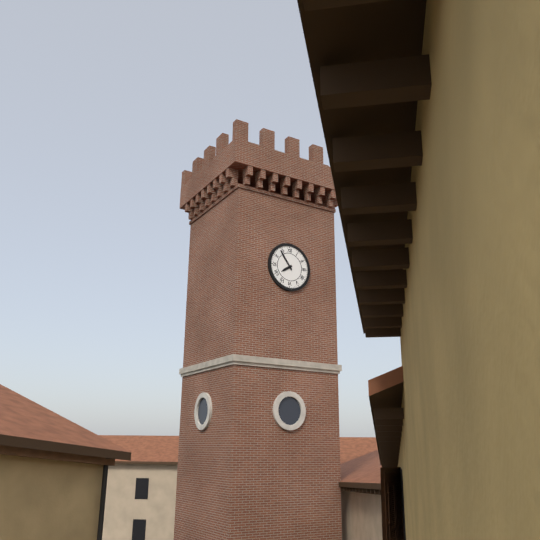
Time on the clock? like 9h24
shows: 7h54
